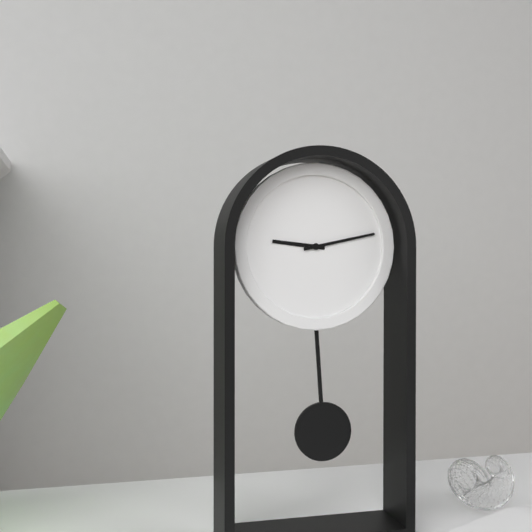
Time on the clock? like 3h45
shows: 9h13
